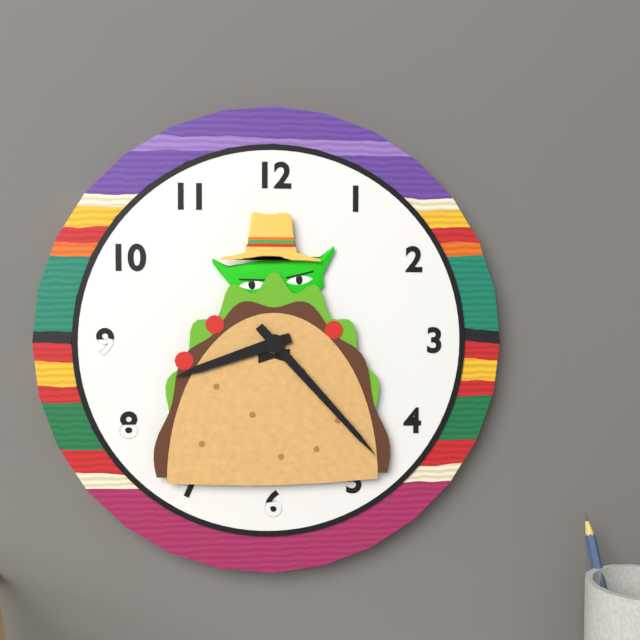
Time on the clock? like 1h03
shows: 8h23
